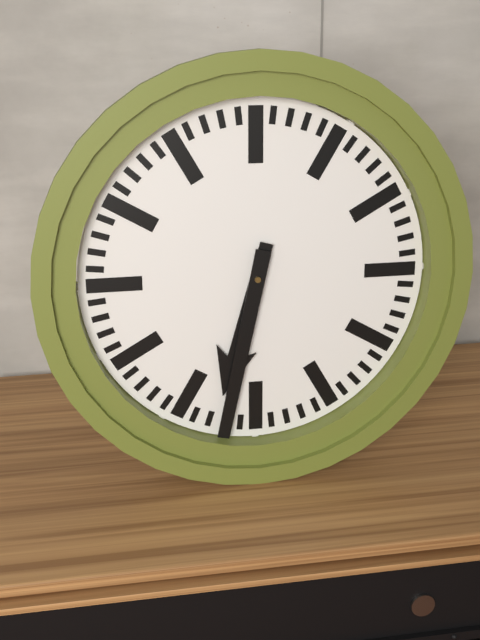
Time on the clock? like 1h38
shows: 6h32
